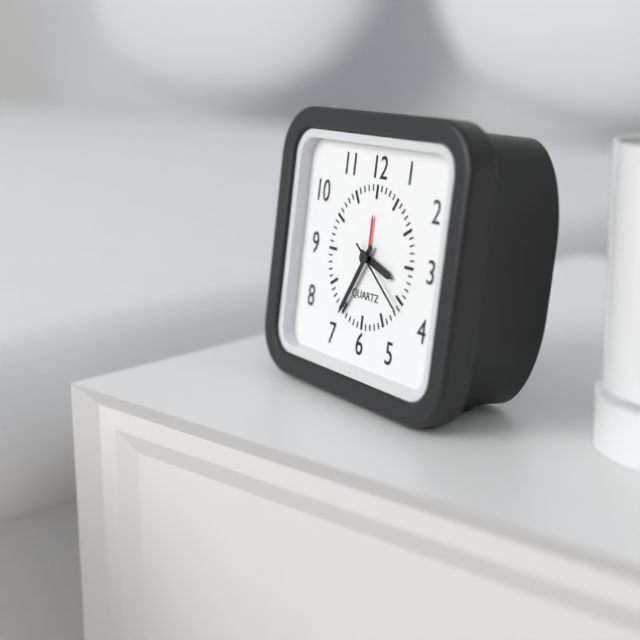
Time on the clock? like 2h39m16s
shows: 3h35m21s
